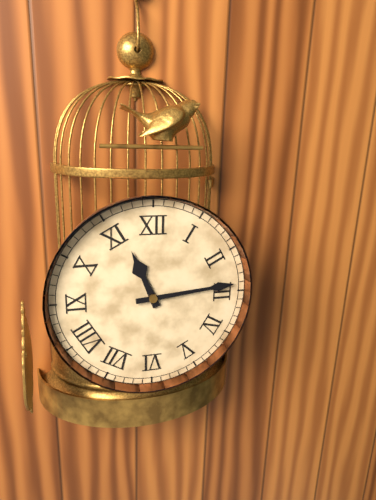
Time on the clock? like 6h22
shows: 11h14
